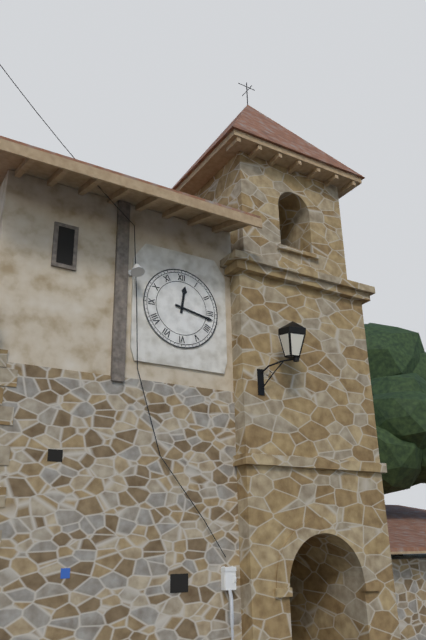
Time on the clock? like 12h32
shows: 12h17
